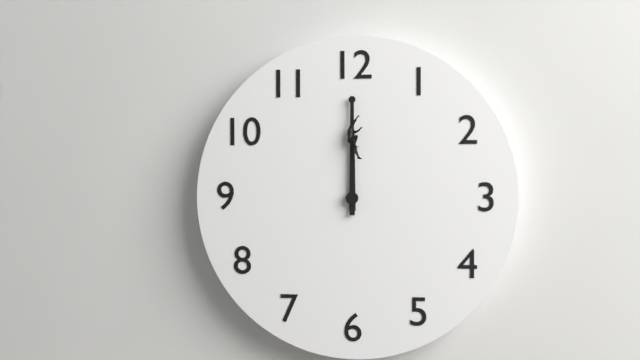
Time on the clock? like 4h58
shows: 12h00
